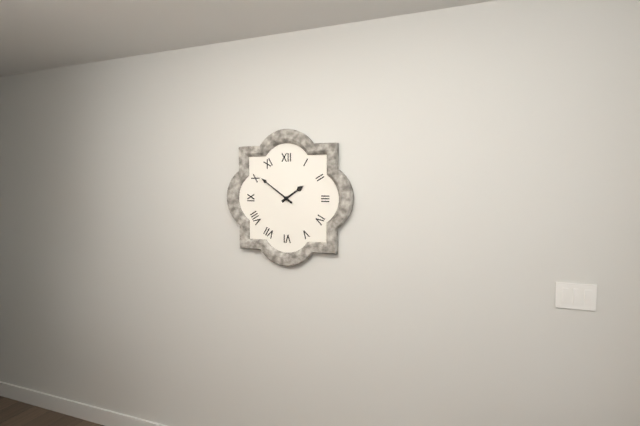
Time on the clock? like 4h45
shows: 1h51
